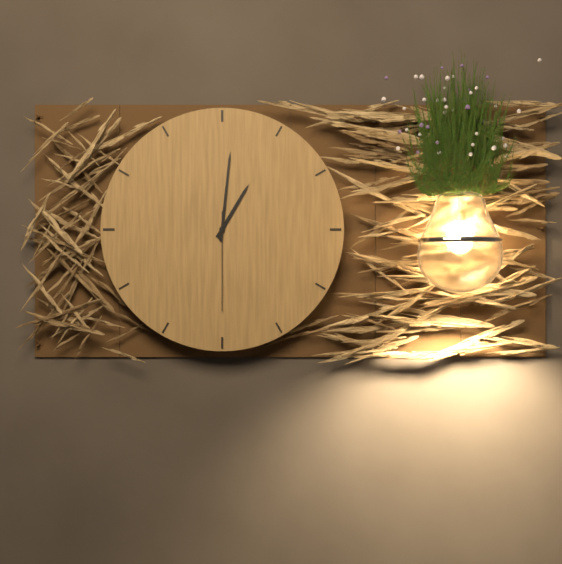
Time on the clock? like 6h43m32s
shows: 1h01m30s
